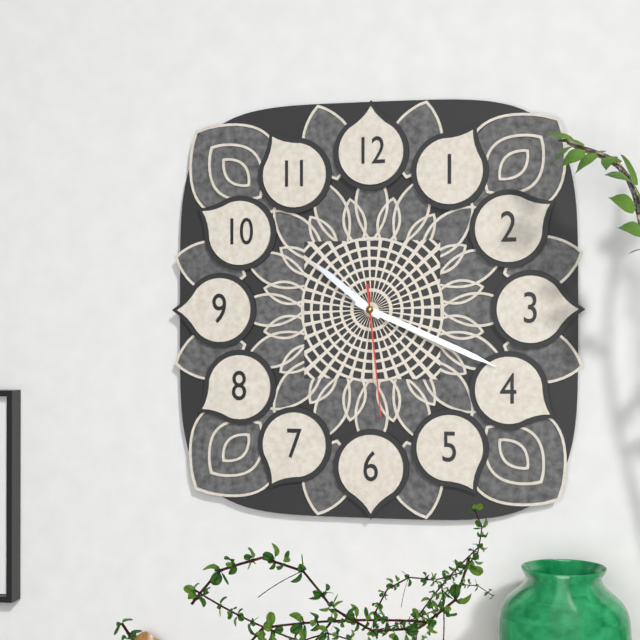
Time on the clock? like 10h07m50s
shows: 10h19m29s
